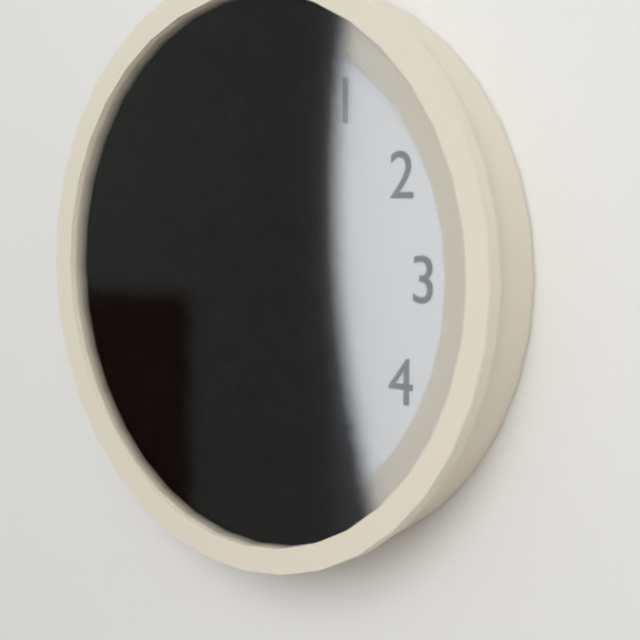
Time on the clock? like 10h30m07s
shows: 10h45m40s
